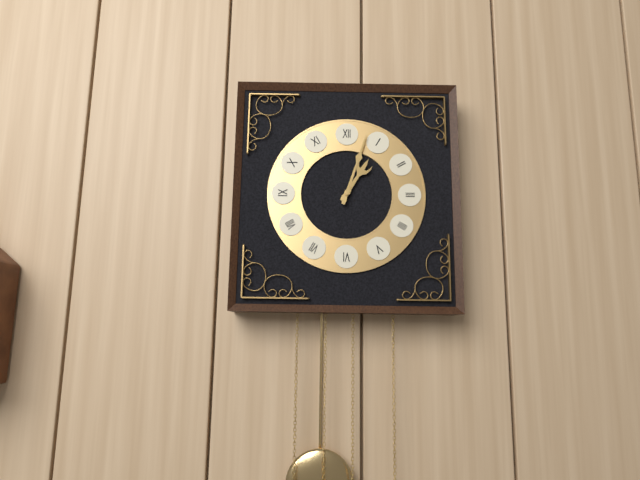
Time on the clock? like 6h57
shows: 1h03
